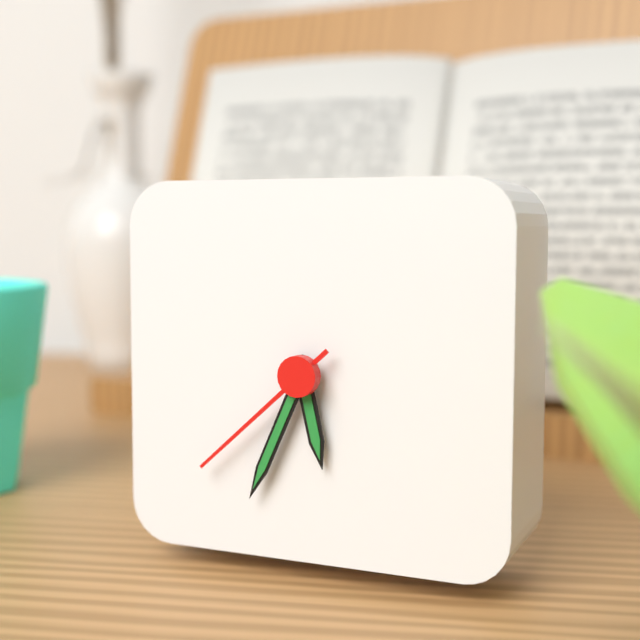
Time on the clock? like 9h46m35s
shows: 5h34m38s
